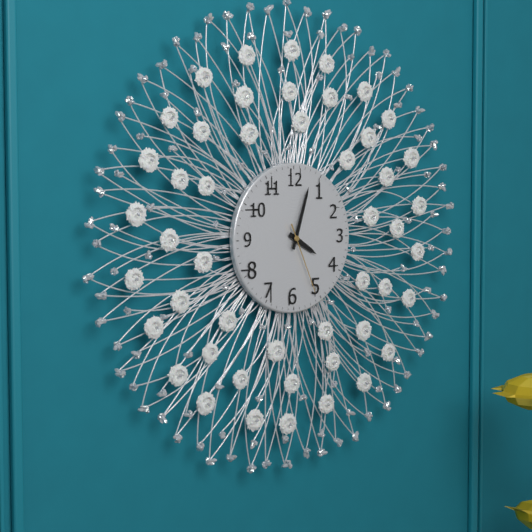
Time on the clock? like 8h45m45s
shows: 4h03m26s
